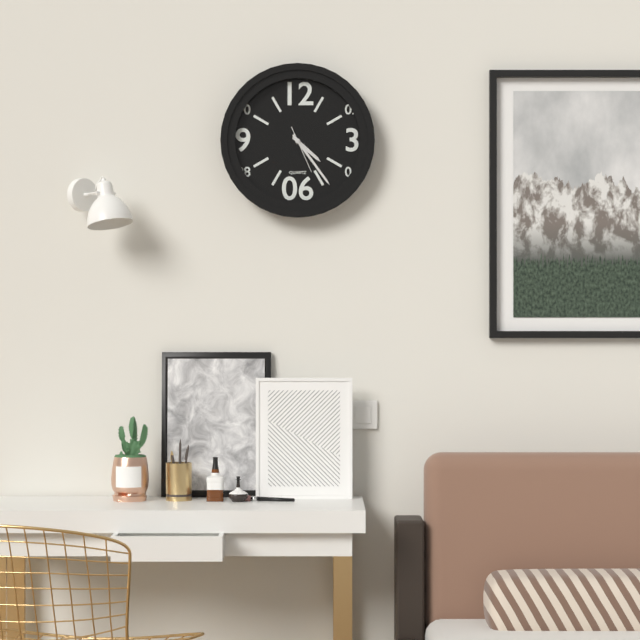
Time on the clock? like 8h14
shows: 4h24
